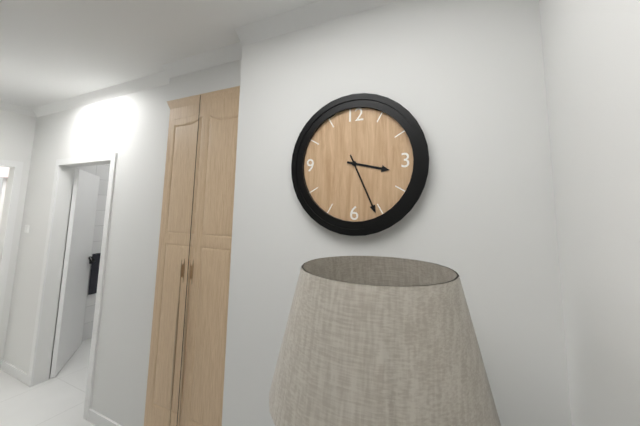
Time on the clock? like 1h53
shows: 3h26
